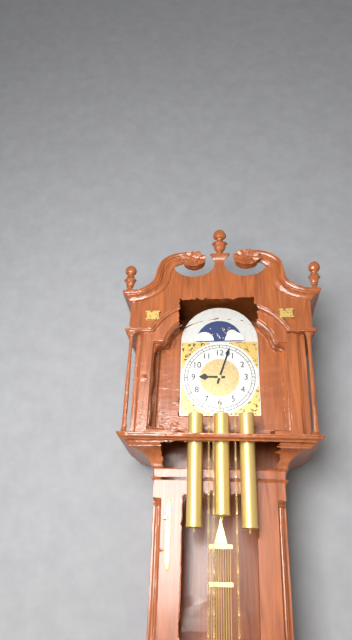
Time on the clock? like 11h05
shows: 9h03
